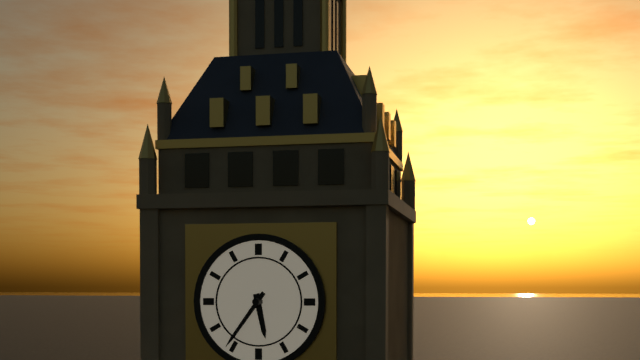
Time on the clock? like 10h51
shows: 5h36
